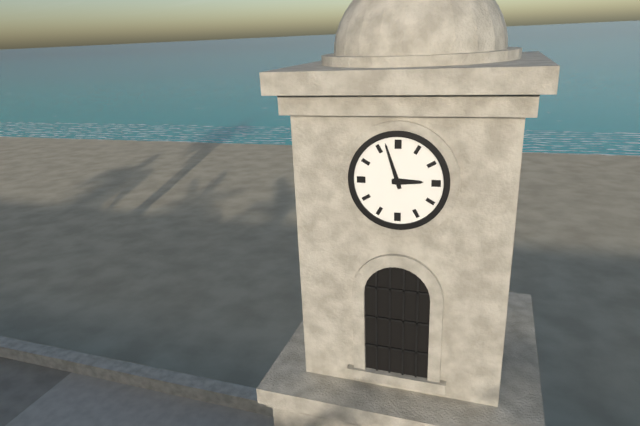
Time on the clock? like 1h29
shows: 2h57
